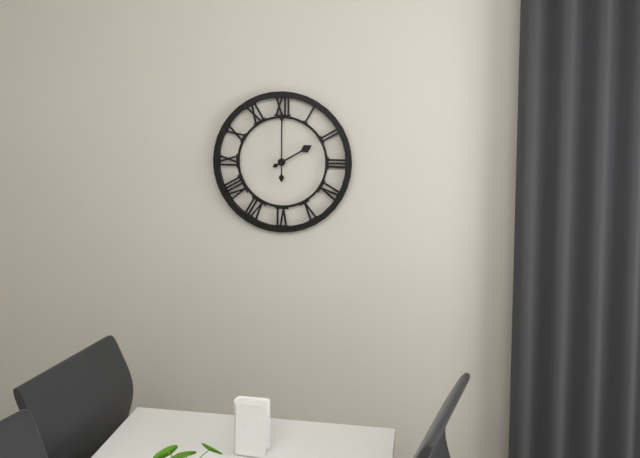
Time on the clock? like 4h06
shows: 2h00
